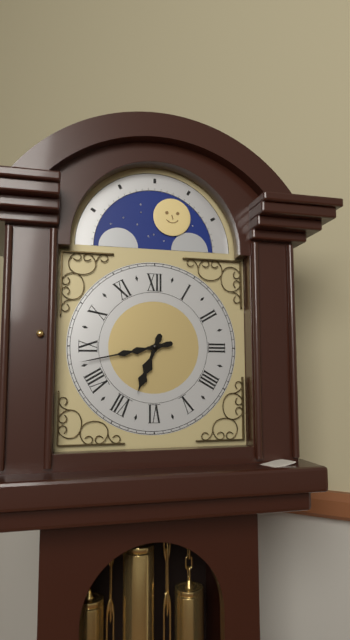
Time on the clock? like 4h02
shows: 6h43
